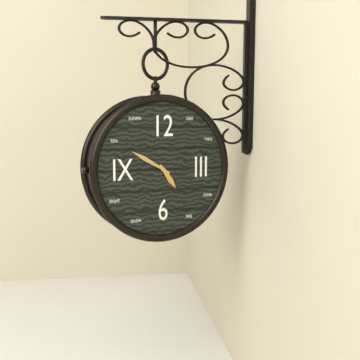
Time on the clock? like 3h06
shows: 4h50
